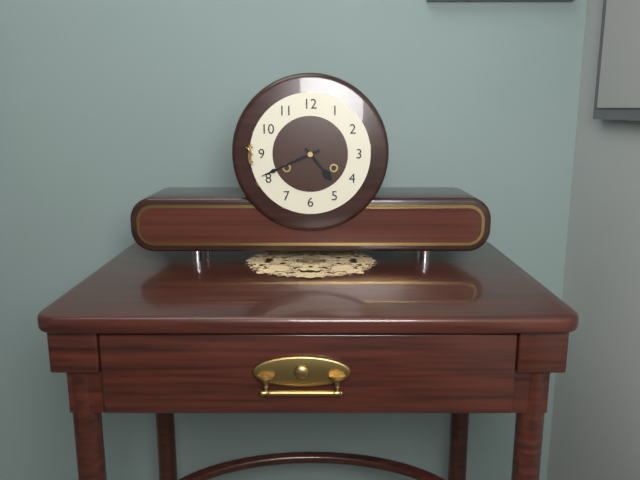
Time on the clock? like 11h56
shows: 4h41
